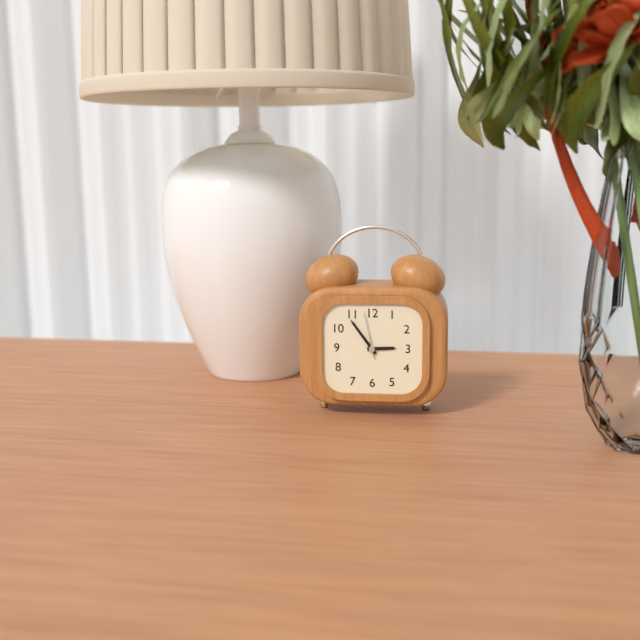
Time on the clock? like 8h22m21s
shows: 2h54m58s
